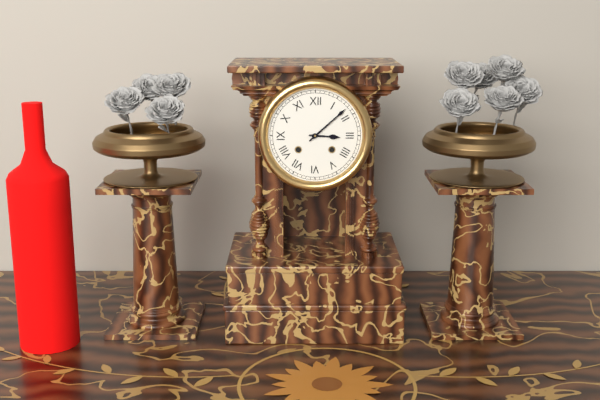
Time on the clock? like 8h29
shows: 3h08
